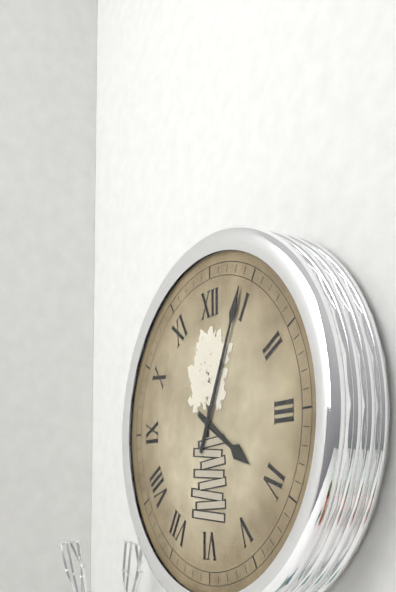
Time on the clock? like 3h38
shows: 4h04
